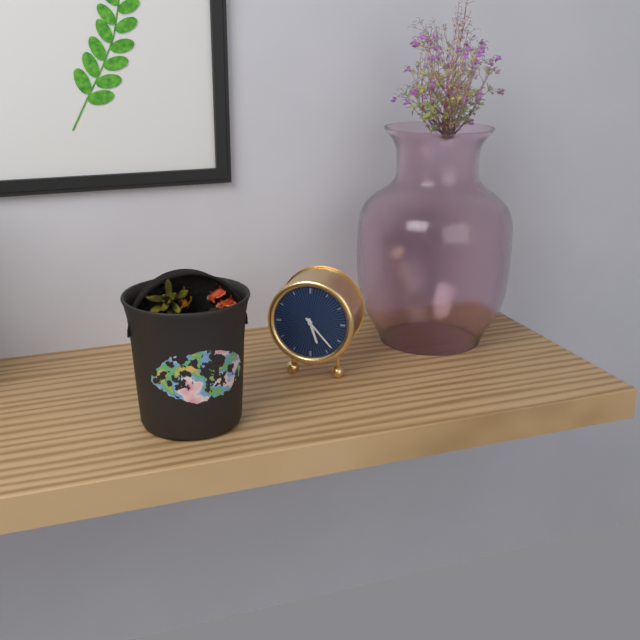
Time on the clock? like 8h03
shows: 5h23
